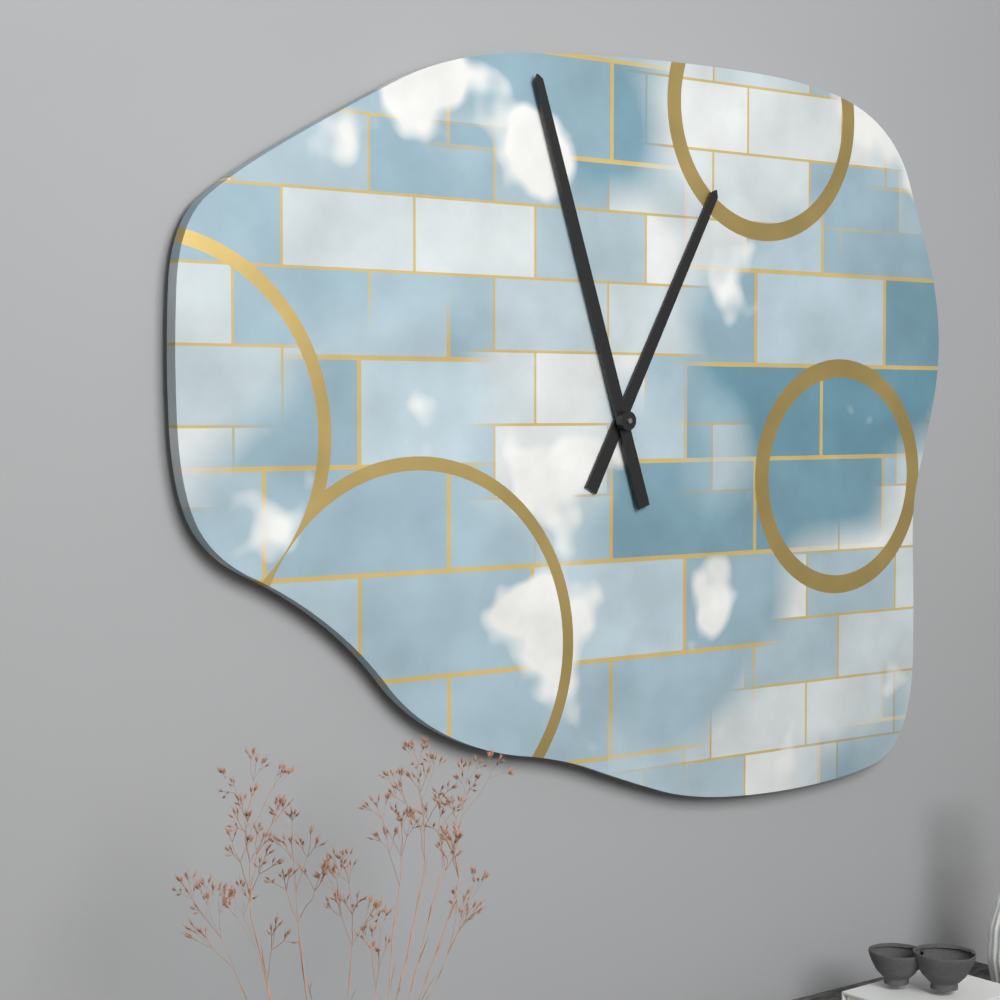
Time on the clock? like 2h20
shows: 12h57
